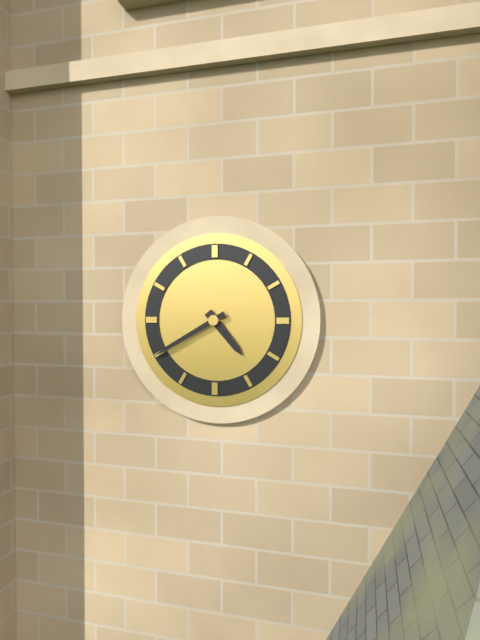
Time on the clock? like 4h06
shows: 4h40
